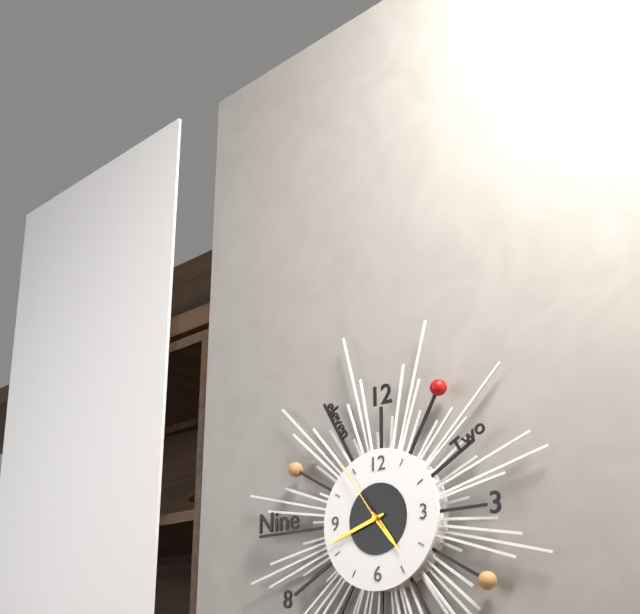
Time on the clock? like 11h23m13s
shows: 4h42m54s
